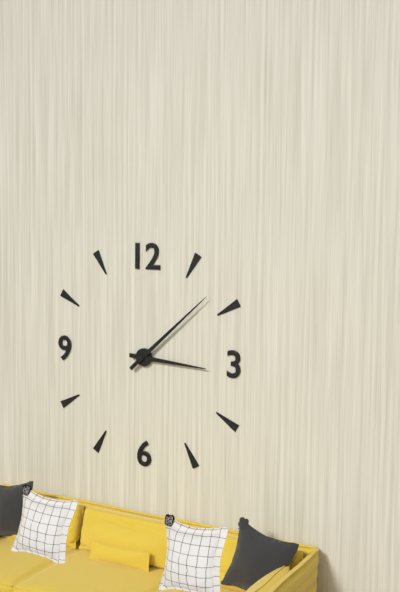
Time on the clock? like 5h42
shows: 3h08
